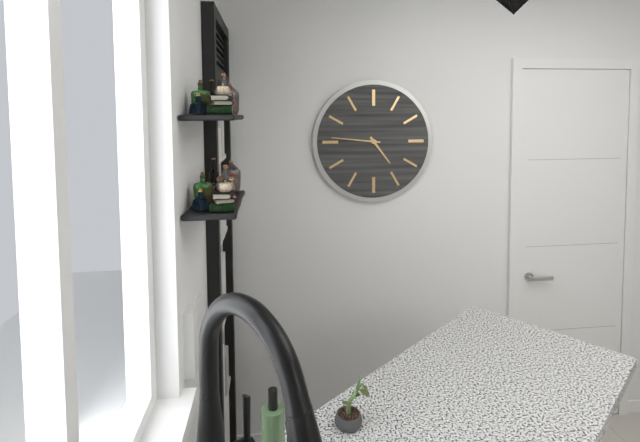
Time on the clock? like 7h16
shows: 4h46
